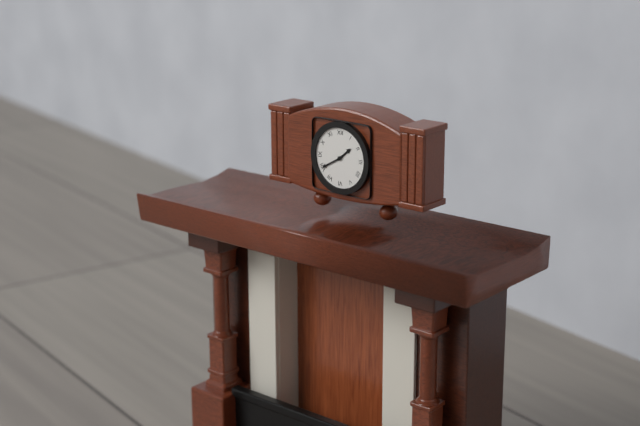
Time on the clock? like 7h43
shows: 1h40
